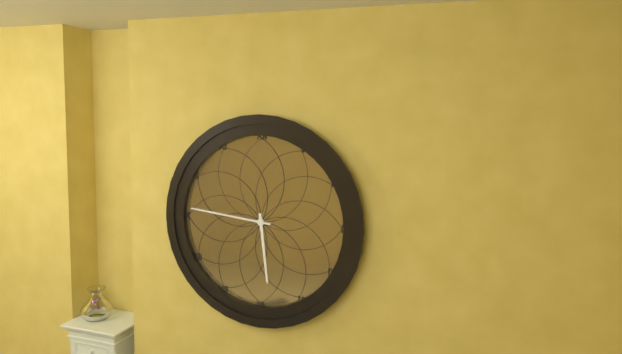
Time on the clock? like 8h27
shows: 5h46
